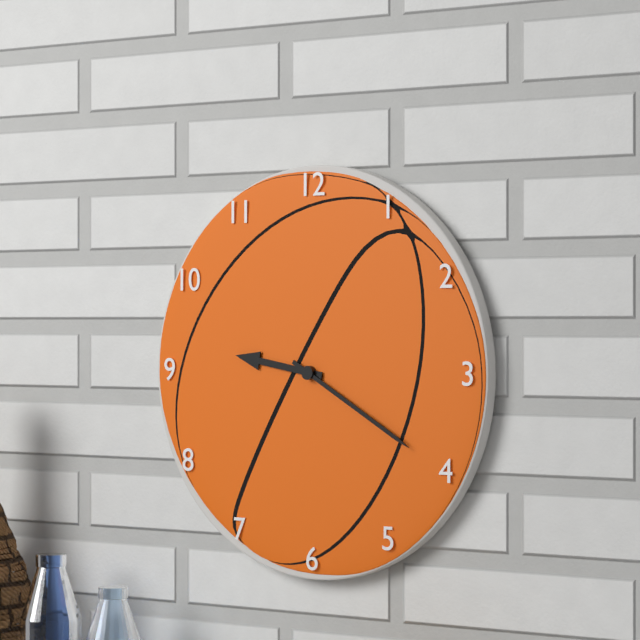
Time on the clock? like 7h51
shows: 9h20
